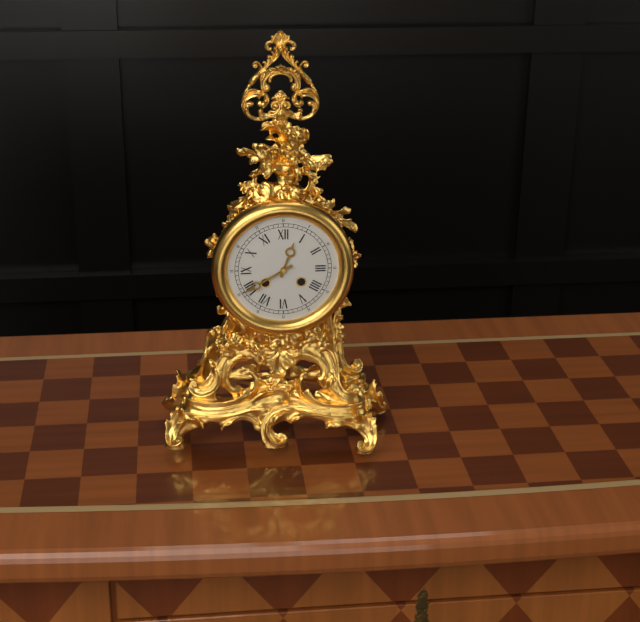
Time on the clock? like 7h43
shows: 12h40
